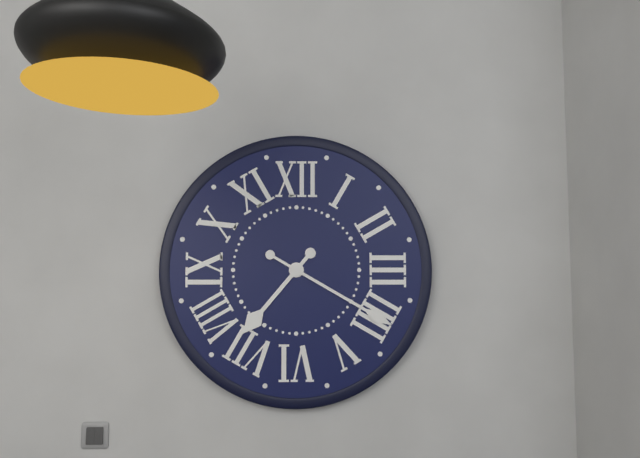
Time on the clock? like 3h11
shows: 7h20
